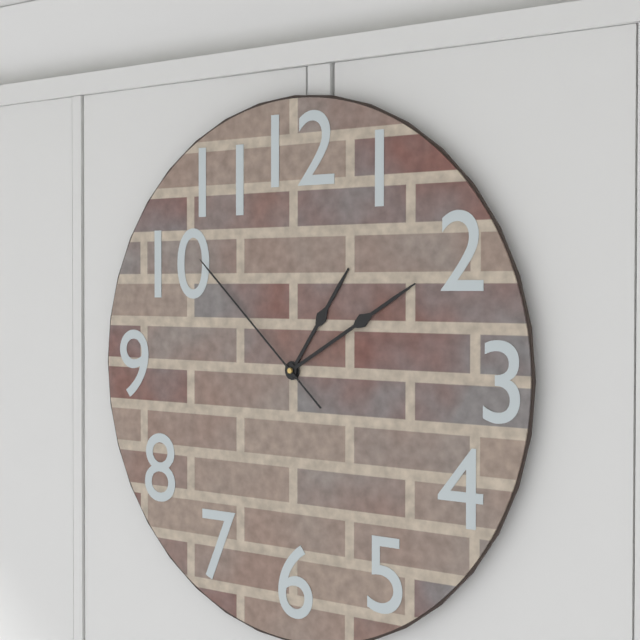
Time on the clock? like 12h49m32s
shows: 1h10m52s
